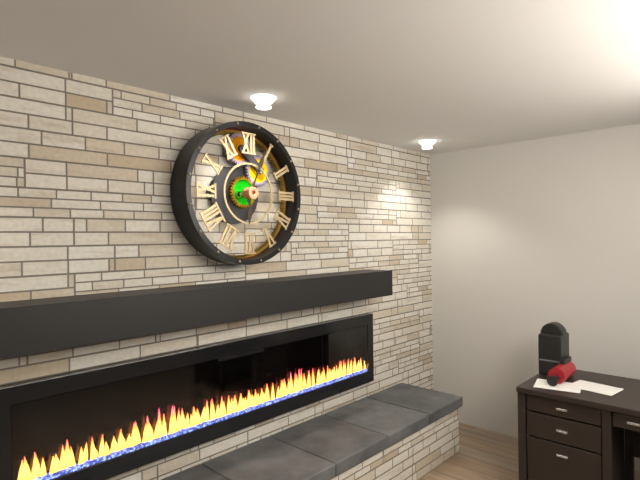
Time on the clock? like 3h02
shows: 6h04
